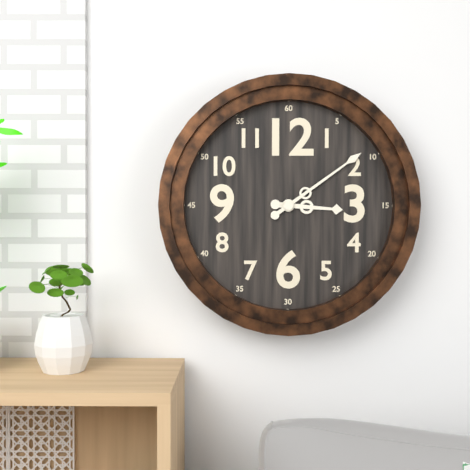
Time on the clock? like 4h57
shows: 3h09
